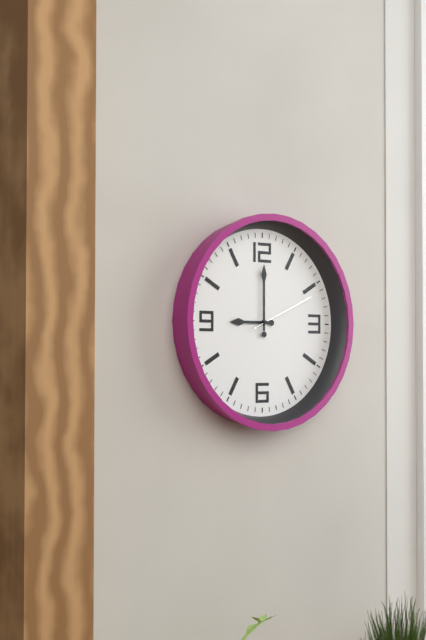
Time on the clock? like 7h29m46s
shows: 9h00m11s
